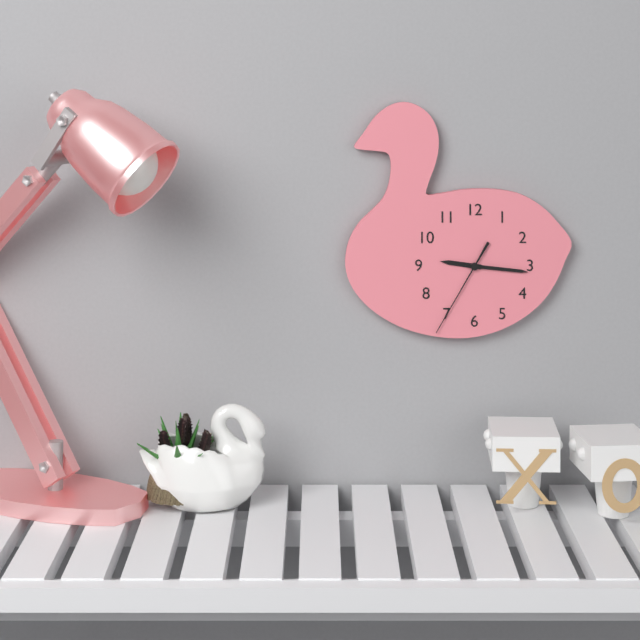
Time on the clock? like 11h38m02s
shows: 9h16m35s
